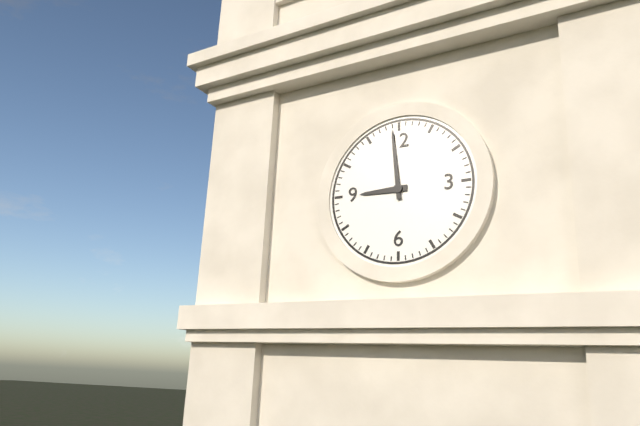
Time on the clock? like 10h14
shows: 8h59
